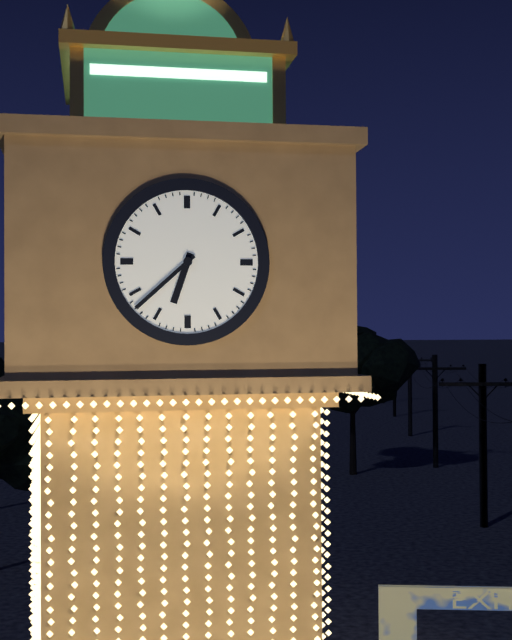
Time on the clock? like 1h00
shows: 6h38
